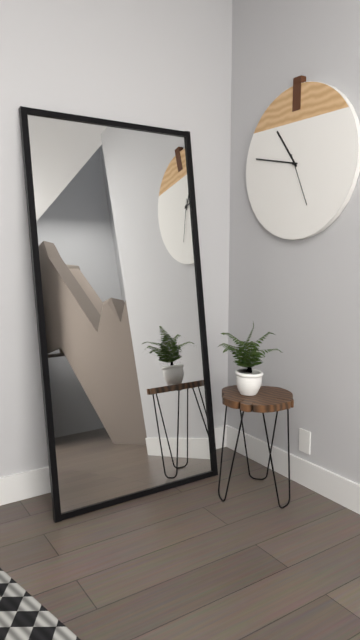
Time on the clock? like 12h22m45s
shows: 10h47m26s
